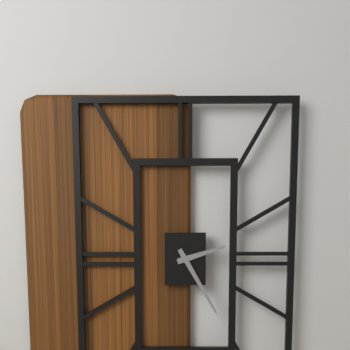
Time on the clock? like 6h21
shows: 2h25
